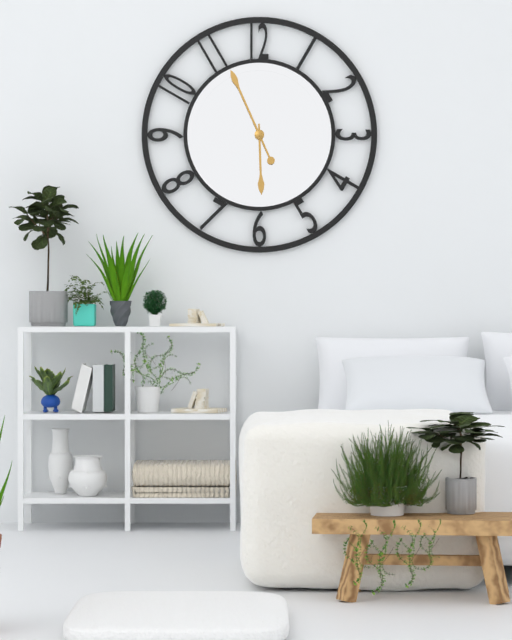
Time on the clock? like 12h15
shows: 5h56
